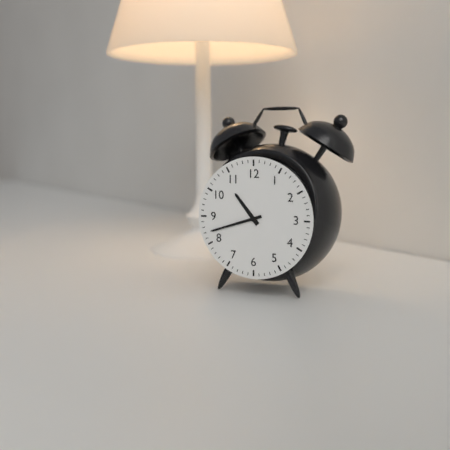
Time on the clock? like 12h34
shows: 10h42
